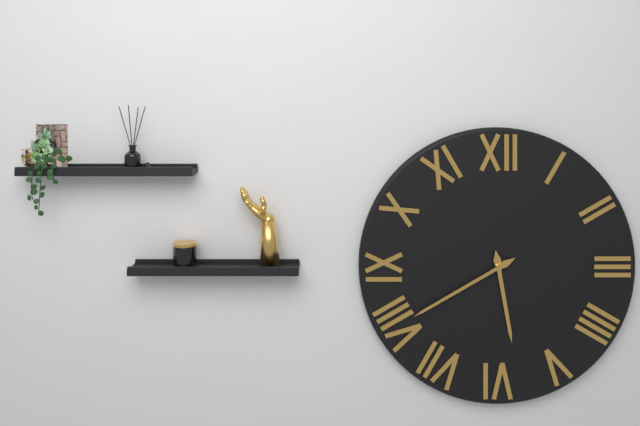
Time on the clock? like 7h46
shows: 5h40
